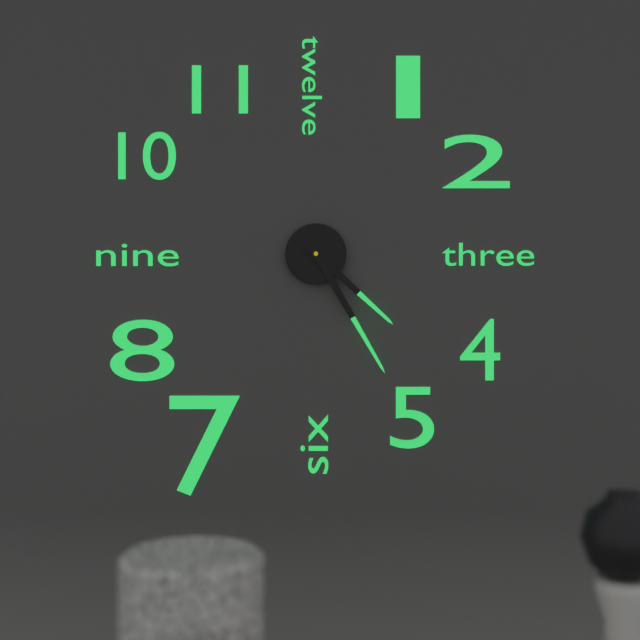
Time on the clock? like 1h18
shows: 4h25
